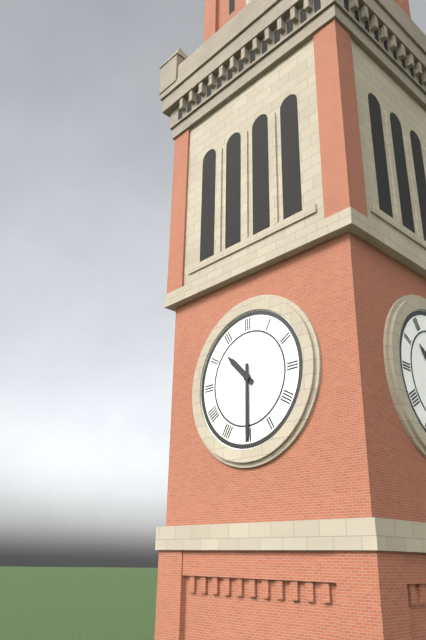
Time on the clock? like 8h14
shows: 10h30
